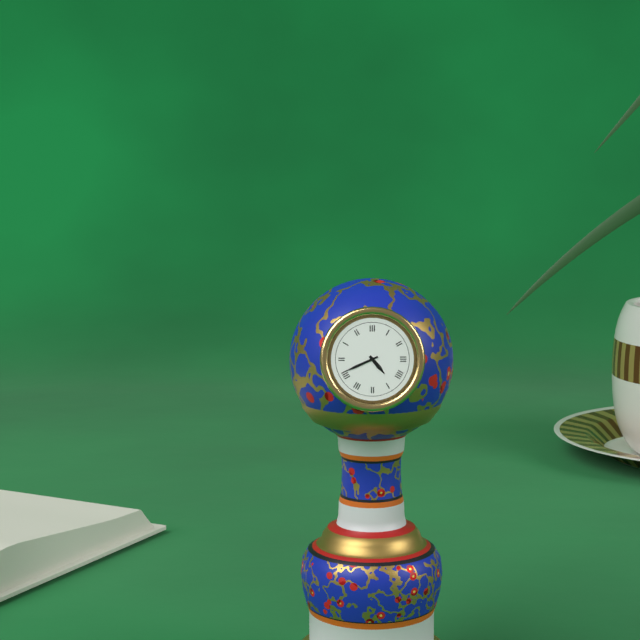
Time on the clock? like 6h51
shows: 4h41
